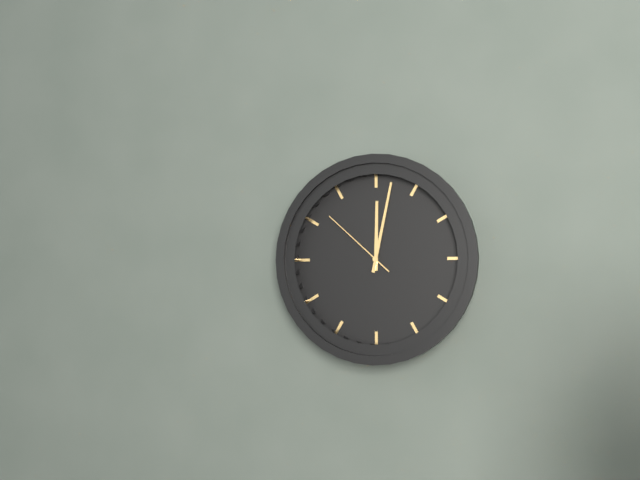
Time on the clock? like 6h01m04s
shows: 12h02m52s
